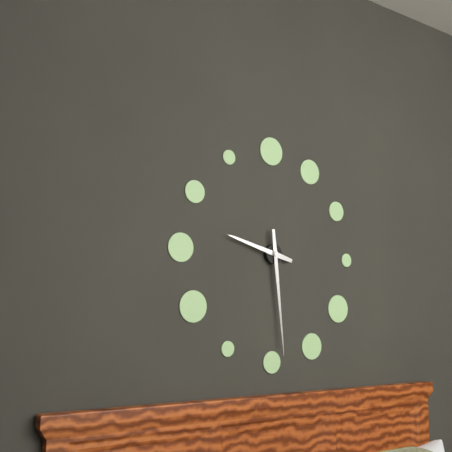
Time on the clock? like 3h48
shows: 9h29
